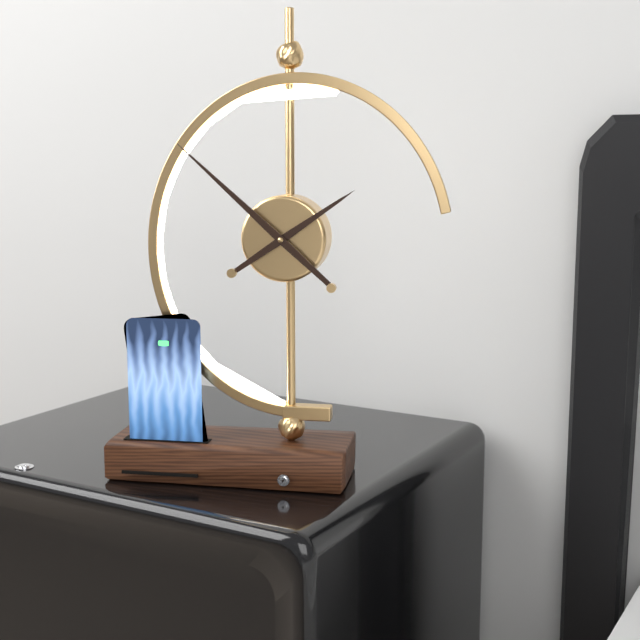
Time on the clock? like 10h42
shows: 1h52
